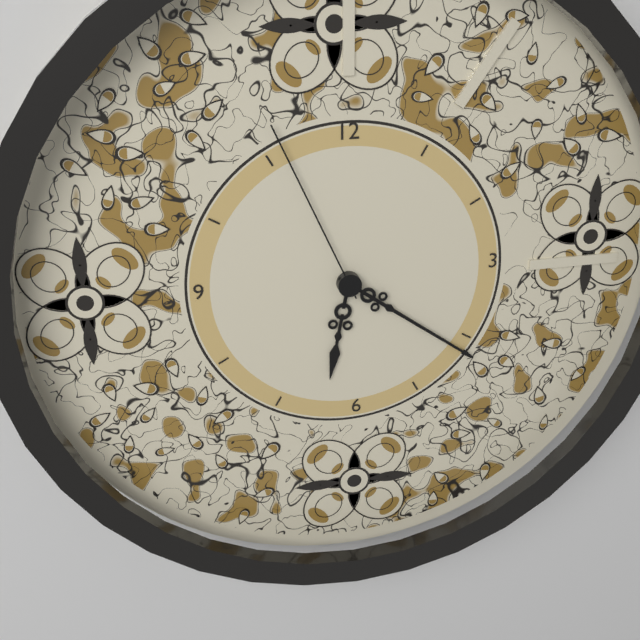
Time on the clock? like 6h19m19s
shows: 6h21m56s
